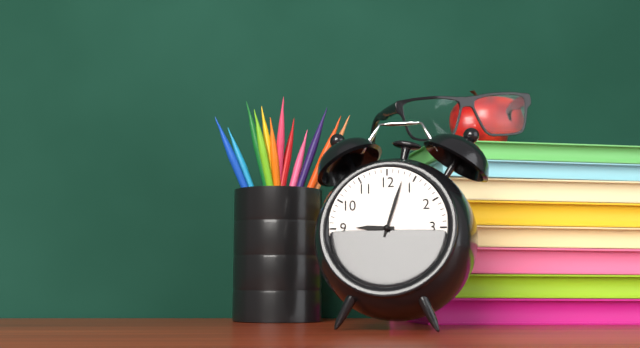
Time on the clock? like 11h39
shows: 9h03
